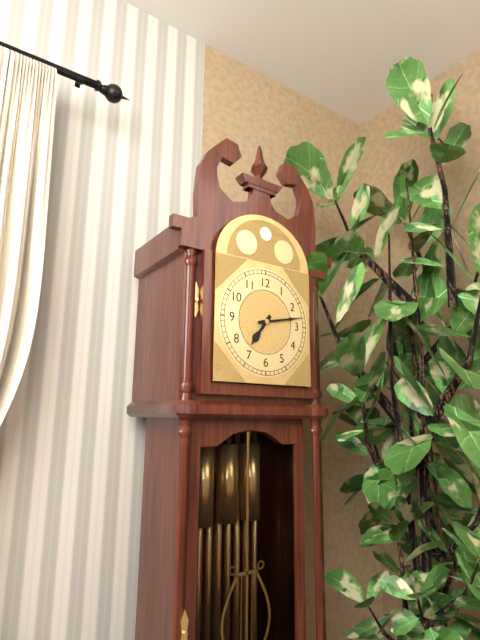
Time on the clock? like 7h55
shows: 7h13
